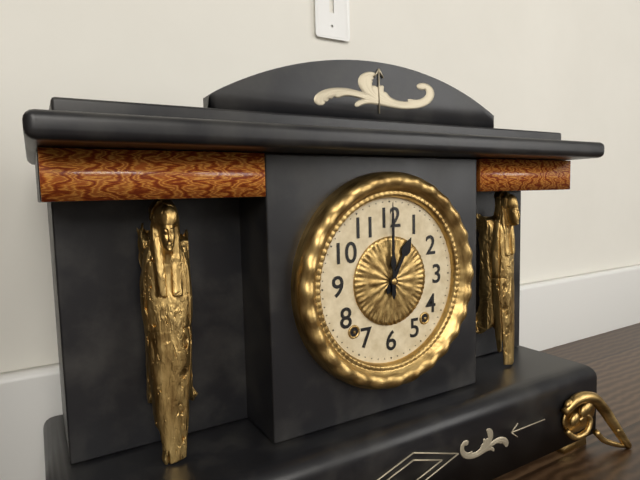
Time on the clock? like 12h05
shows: 1h00
